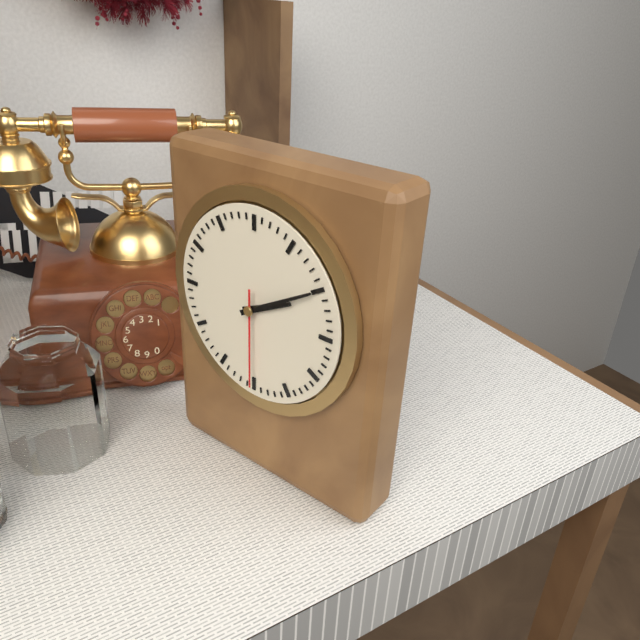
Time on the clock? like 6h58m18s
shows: 2h10m30s
